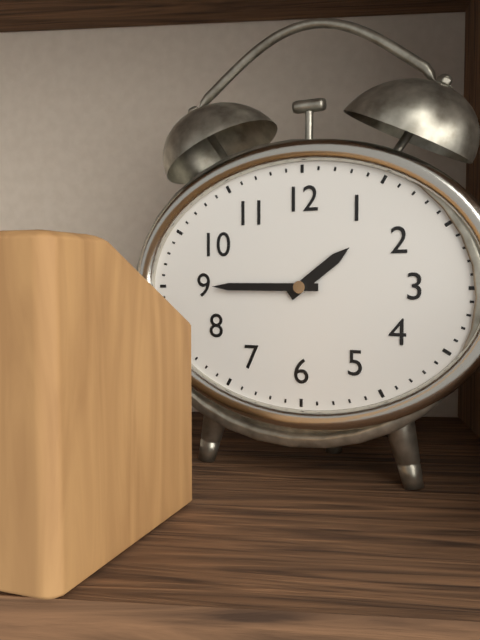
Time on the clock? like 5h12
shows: 1h45
